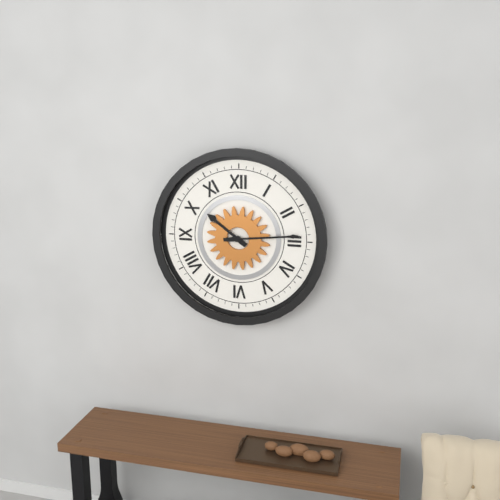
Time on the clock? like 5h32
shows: 10h14
